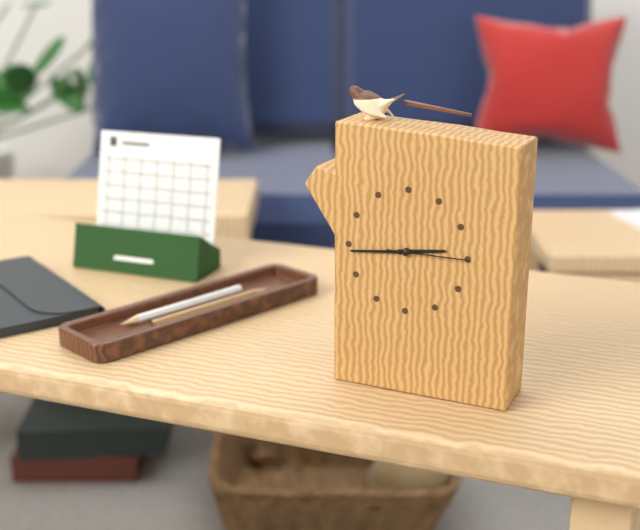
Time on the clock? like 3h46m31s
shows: 2h44m15s
